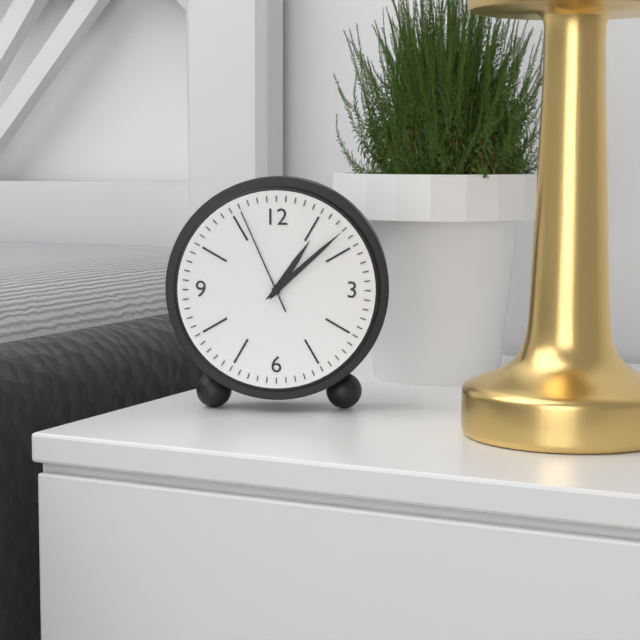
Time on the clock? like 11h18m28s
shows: 1h08m56s
